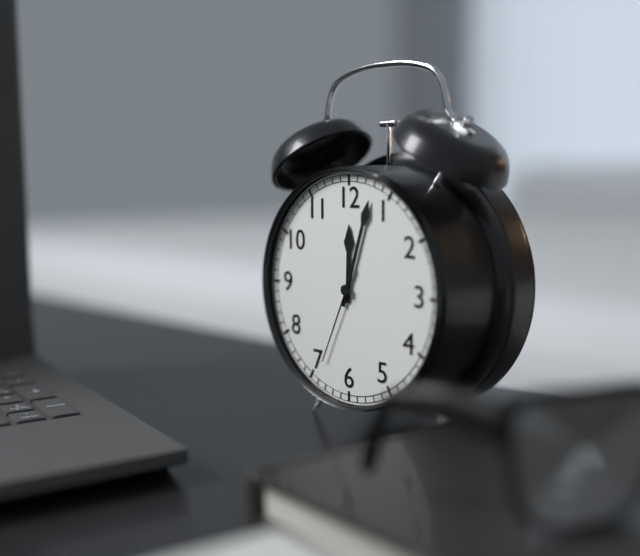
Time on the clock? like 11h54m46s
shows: 12h03m34s
